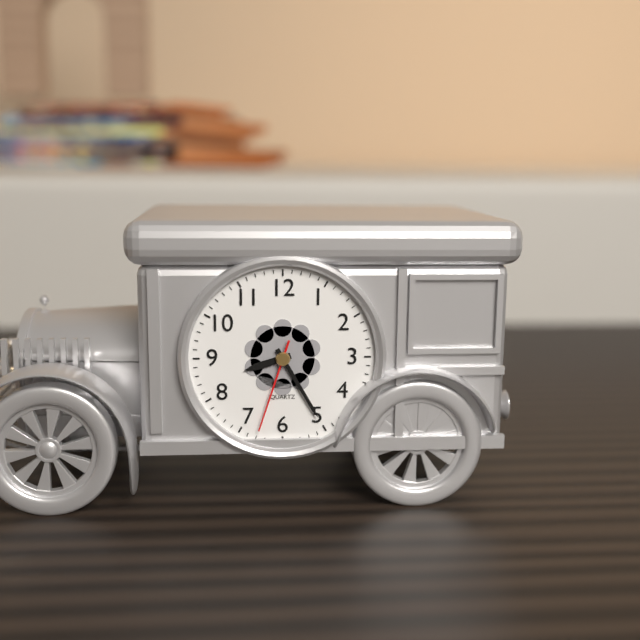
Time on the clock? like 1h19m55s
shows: 8h25m33s
